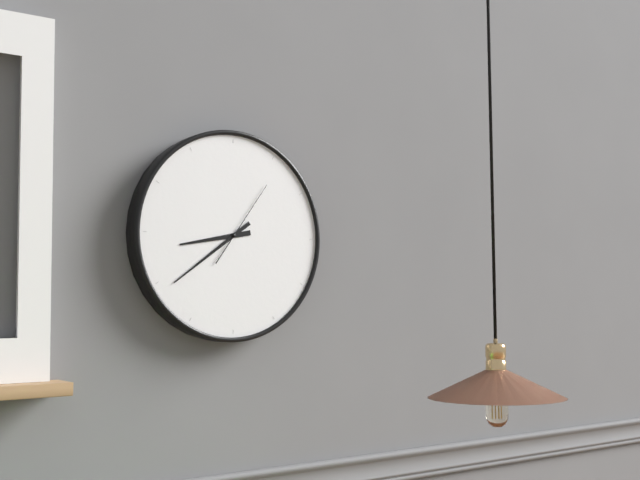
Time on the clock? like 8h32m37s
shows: 8h39m06s
